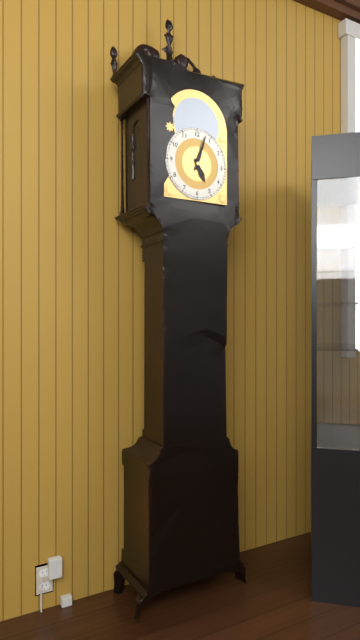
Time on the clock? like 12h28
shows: 5h03
